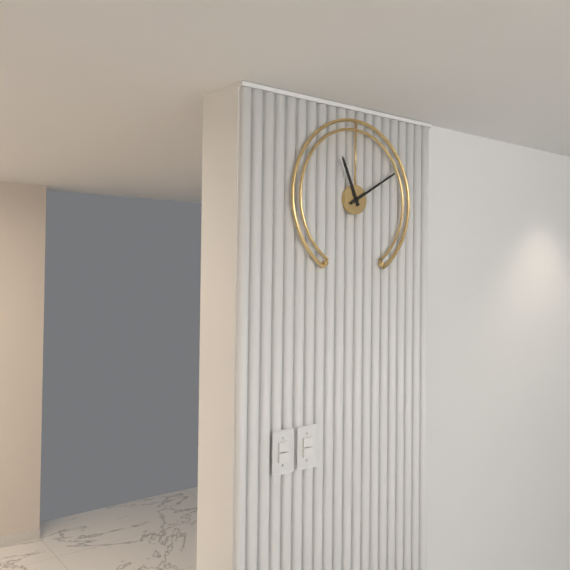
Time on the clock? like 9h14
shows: 11h10
